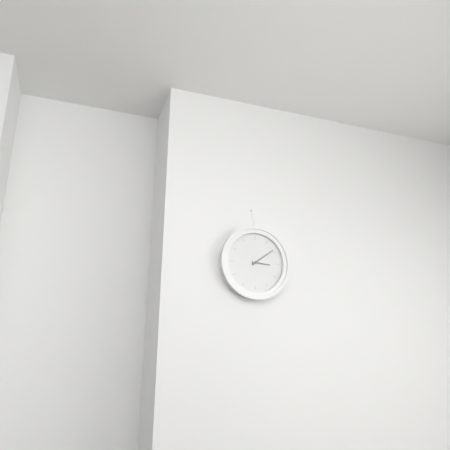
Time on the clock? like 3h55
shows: 3h09
